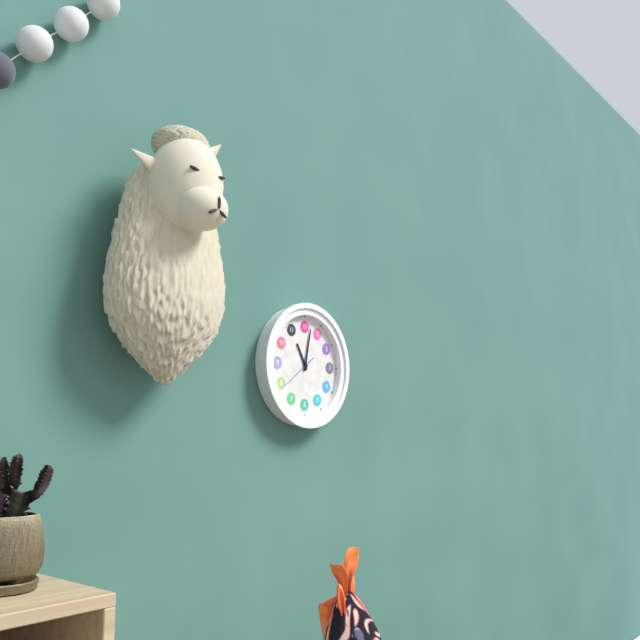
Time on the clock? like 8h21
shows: 11h02
